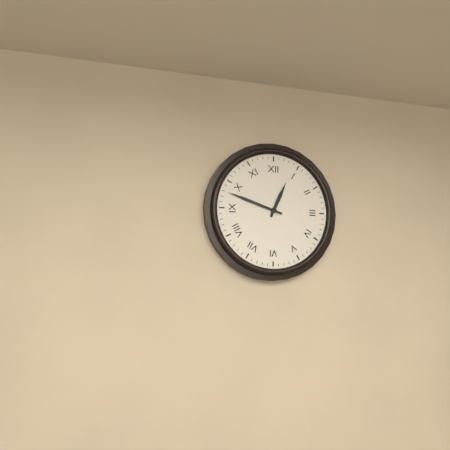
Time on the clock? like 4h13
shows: 12h48
